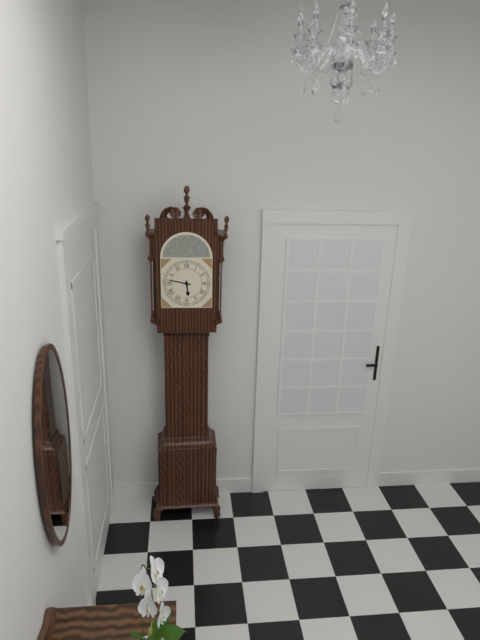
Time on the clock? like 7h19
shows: 5h47
